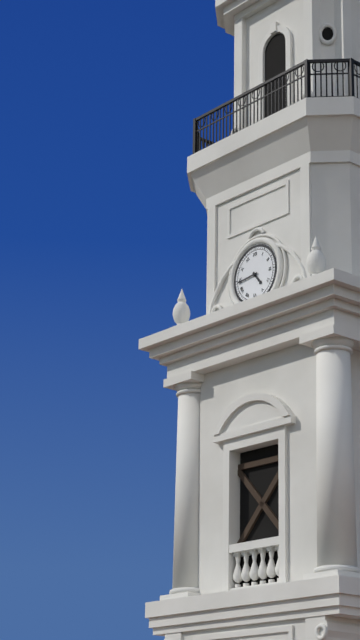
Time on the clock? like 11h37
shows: 4h44
